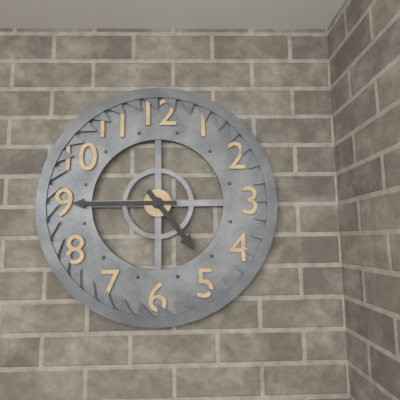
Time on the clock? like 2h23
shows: 4h45
